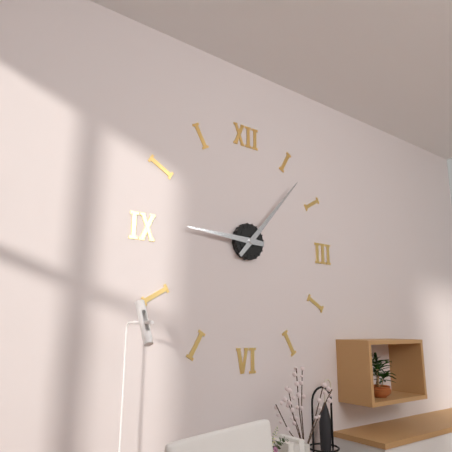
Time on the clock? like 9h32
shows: 9h07
